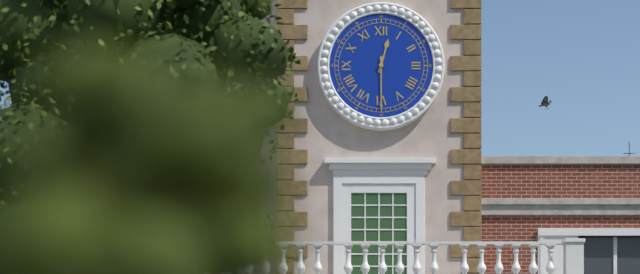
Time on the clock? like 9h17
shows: 12h30
